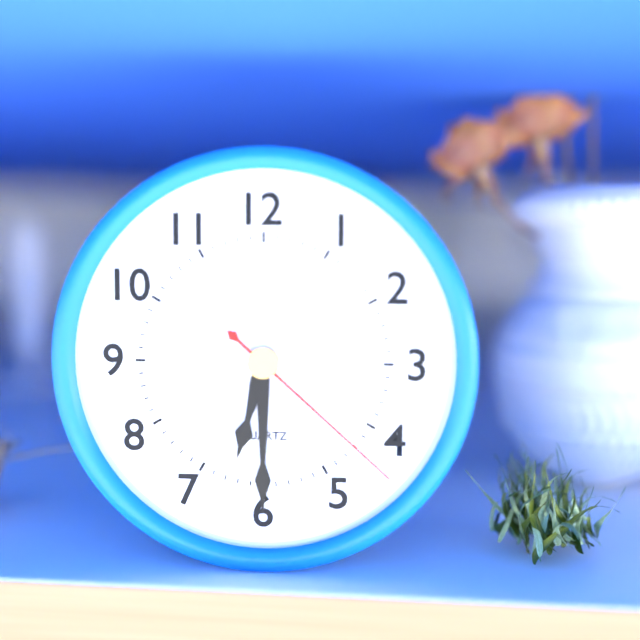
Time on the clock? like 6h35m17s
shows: 6h30m22s
